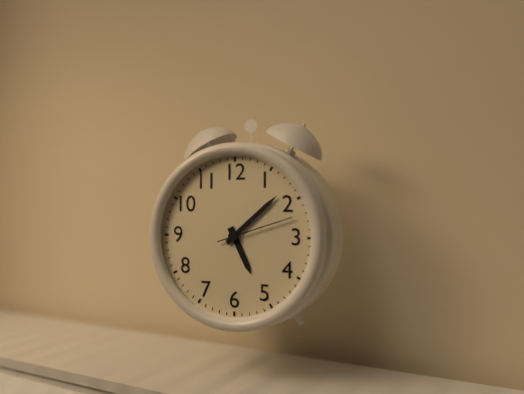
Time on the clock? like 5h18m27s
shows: 5h08m12s
